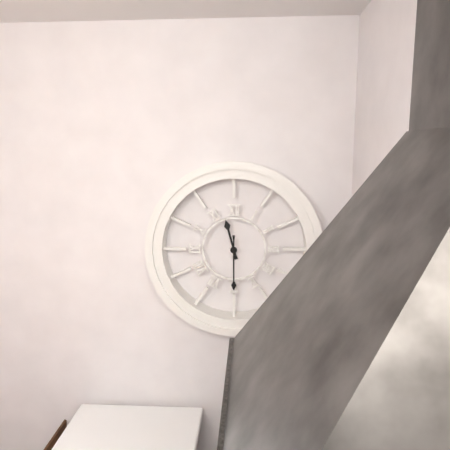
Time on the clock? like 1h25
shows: 11h30
